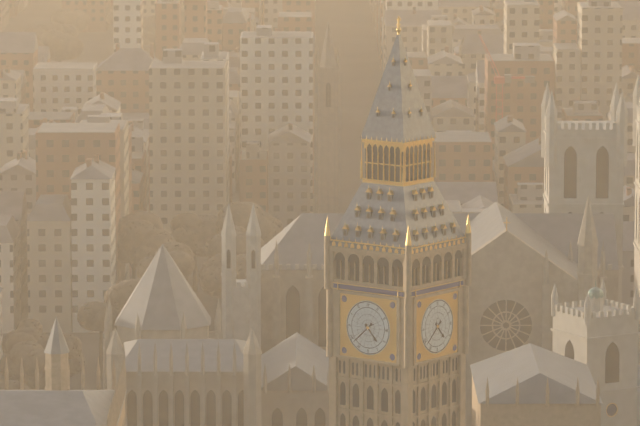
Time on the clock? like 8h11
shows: 4h38
